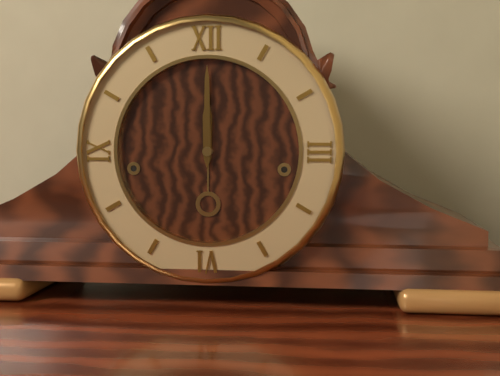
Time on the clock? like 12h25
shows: 12h00
